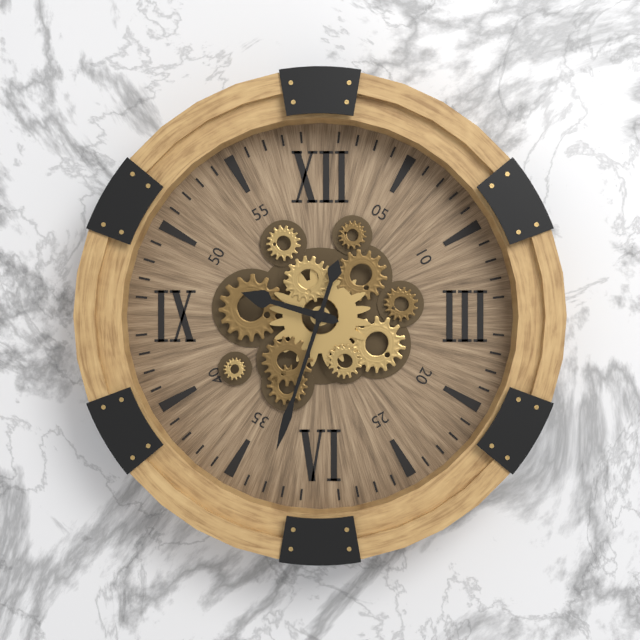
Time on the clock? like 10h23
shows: 9h33
